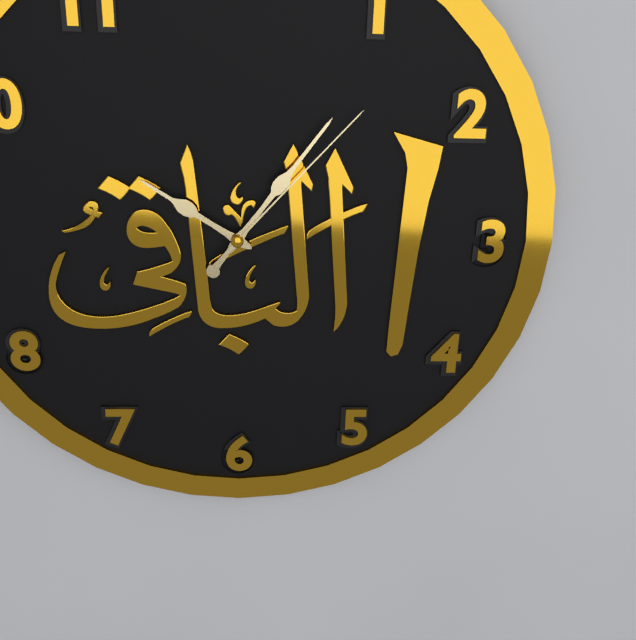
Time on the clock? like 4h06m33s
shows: 10h06m07s
